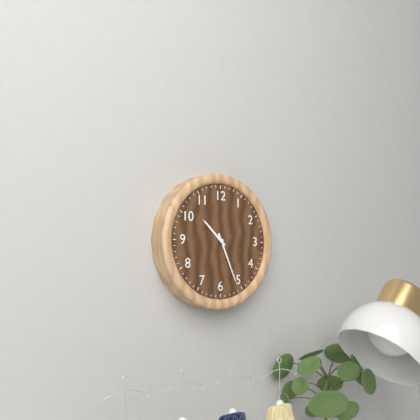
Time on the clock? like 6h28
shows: 10h26
